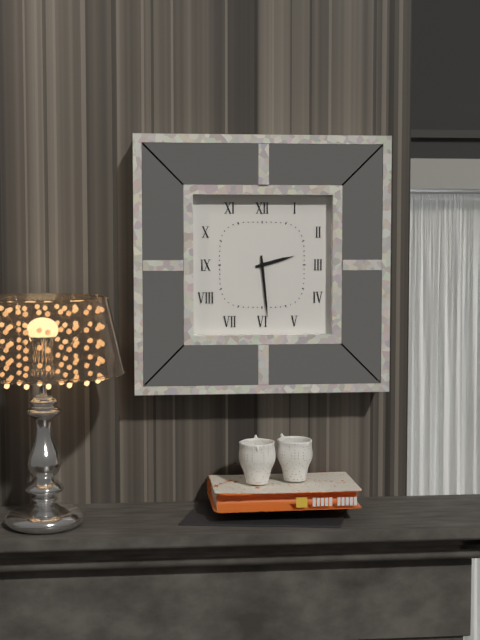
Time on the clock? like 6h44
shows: 2h29
